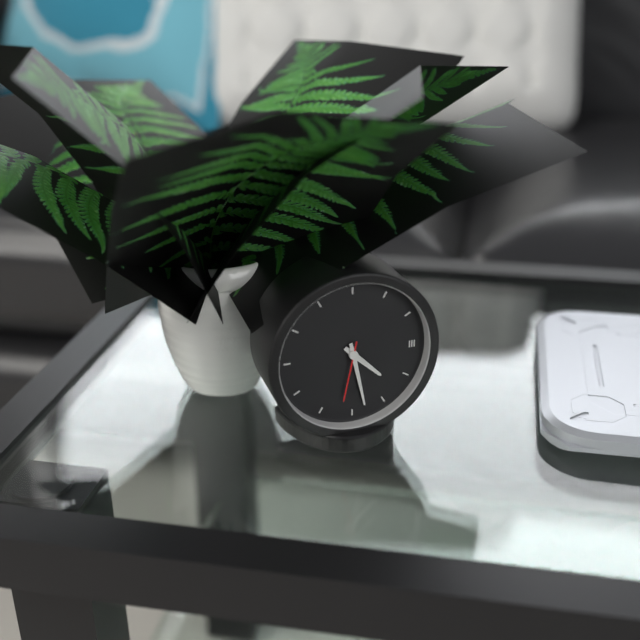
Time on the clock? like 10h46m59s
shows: 4h28m32s
